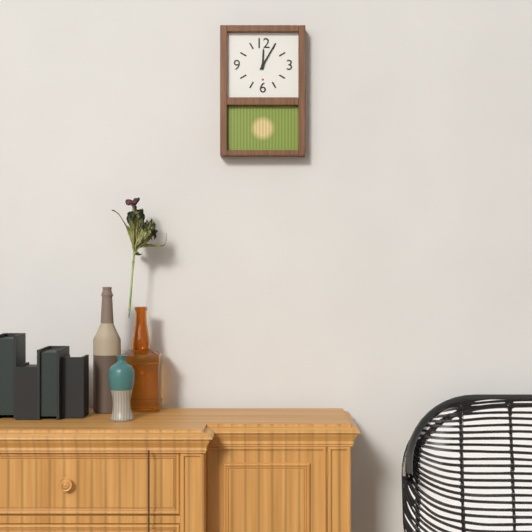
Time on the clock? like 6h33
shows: 12h05
